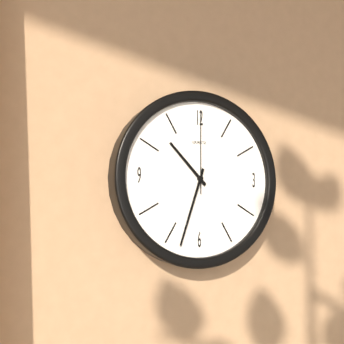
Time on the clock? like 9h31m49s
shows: 10h33m00s
